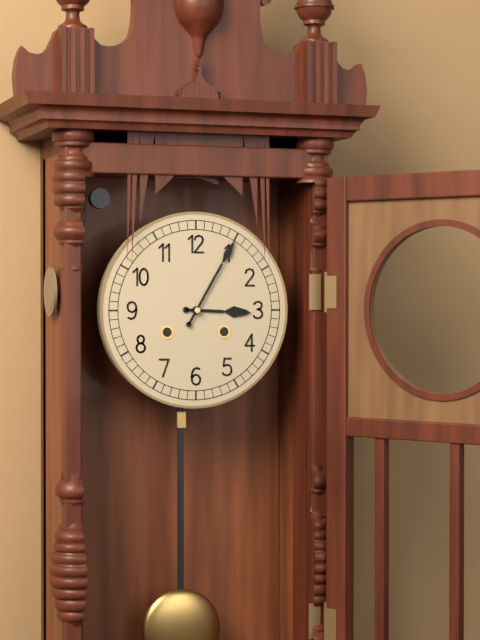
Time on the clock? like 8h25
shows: 3h05
